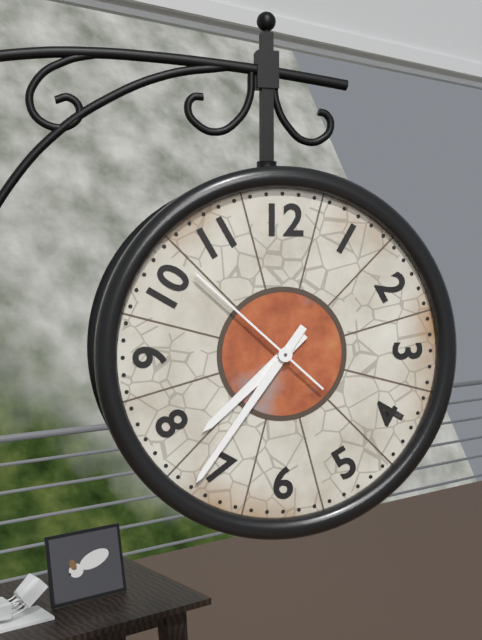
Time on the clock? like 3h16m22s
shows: 7h36m52s
